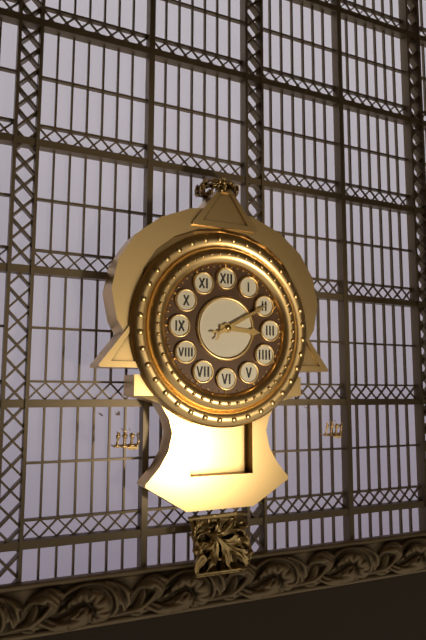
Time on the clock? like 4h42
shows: 3h10
